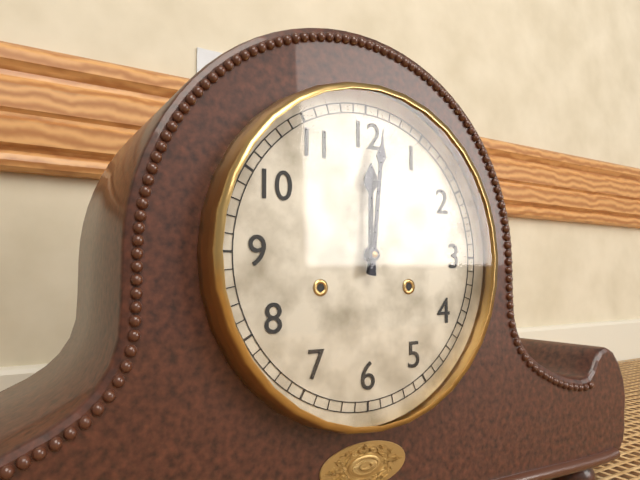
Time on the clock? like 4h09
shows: 12h01
